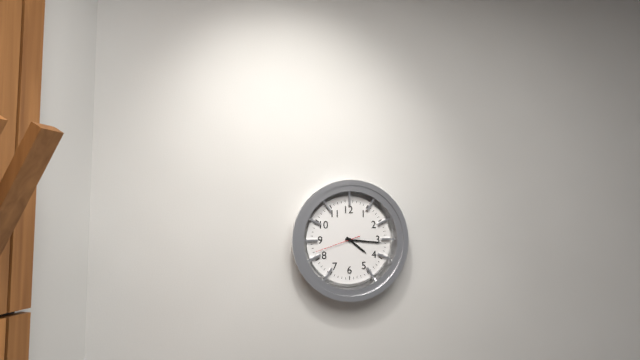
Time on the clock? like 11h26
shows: 4h16
